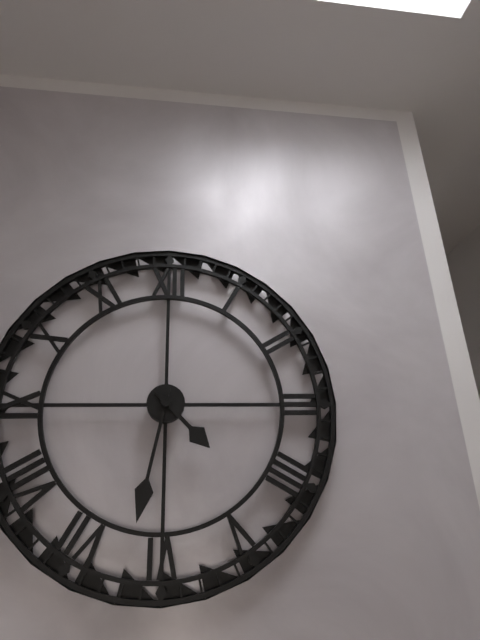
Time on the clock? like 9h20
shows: 4h32
